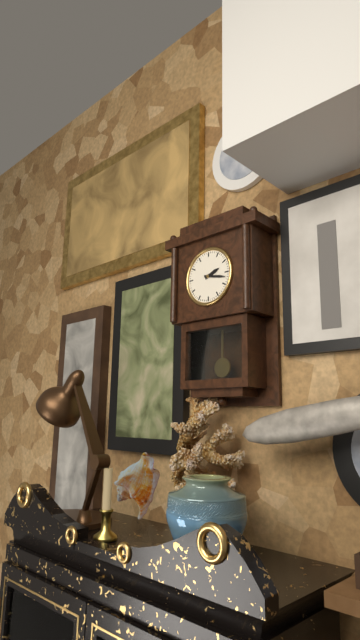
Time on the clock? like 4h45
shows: 2h17
